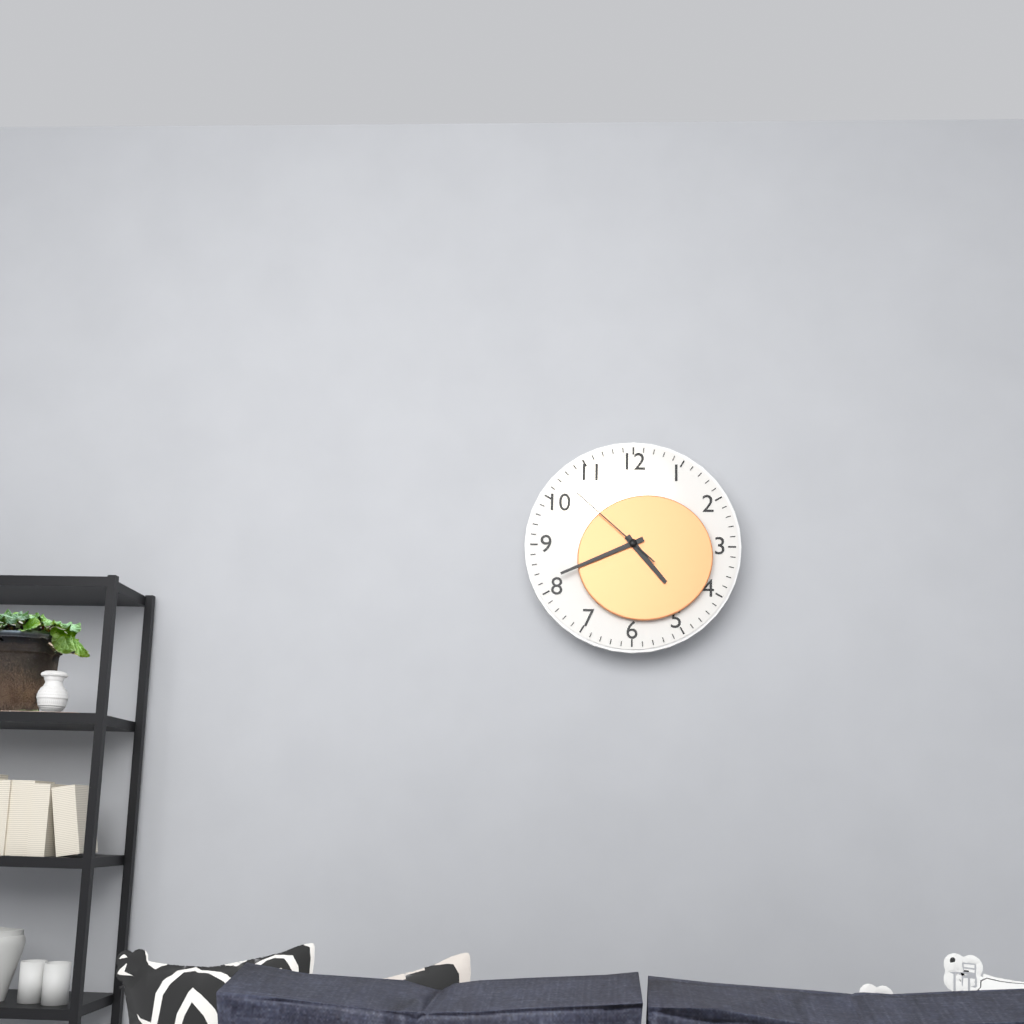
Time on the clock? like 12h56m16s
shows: 4h41m52s
